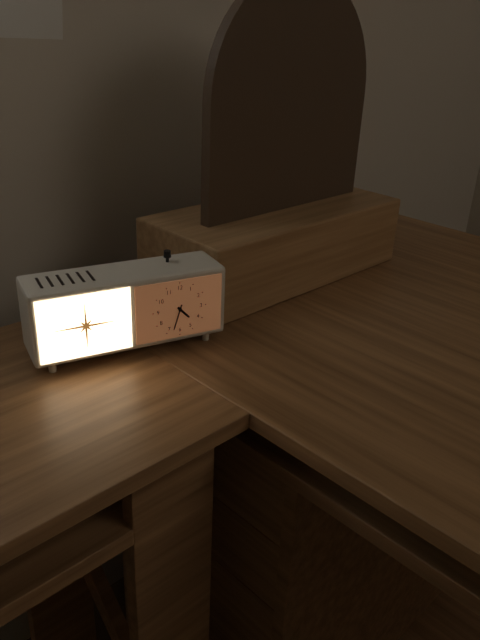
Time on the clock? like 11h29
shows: 4h33
